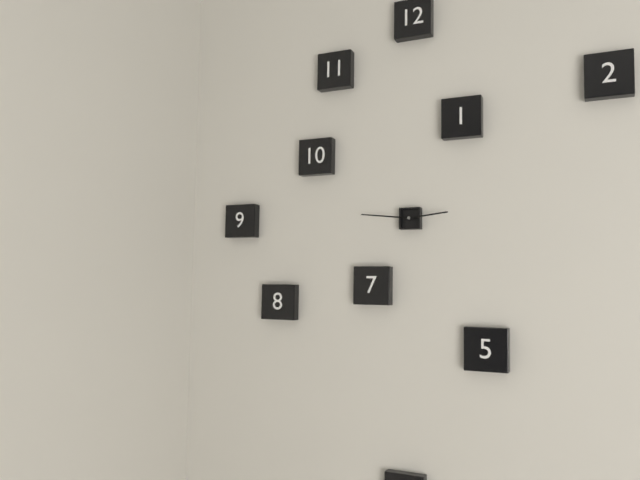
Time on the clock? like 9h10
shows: 2h46
